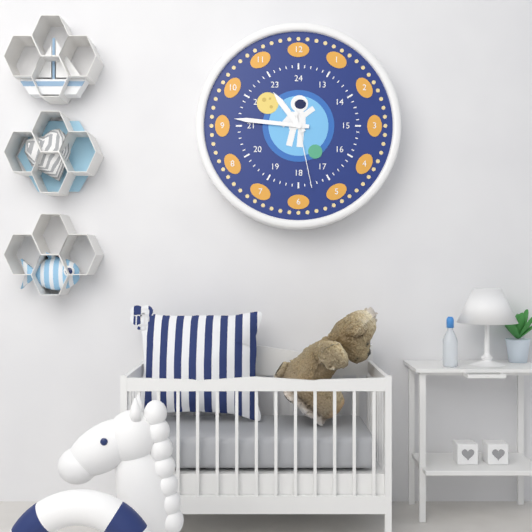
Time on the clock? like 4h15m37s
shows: 10h46m28s
